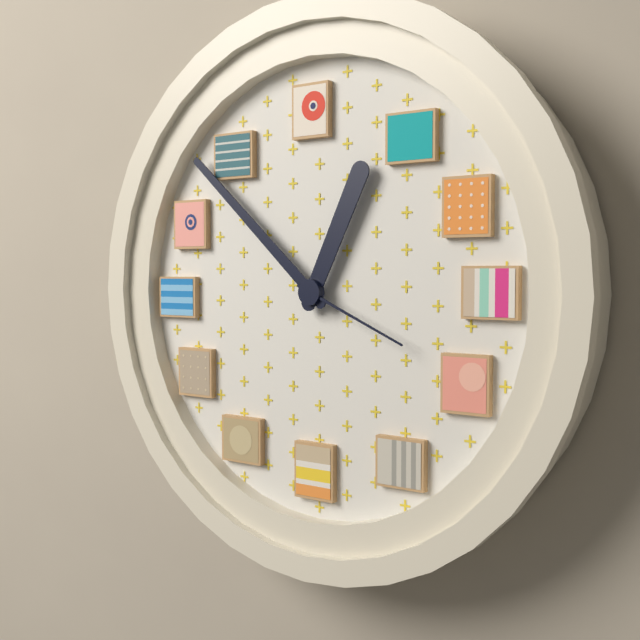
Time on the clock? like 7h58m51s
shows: 12h52m19s
